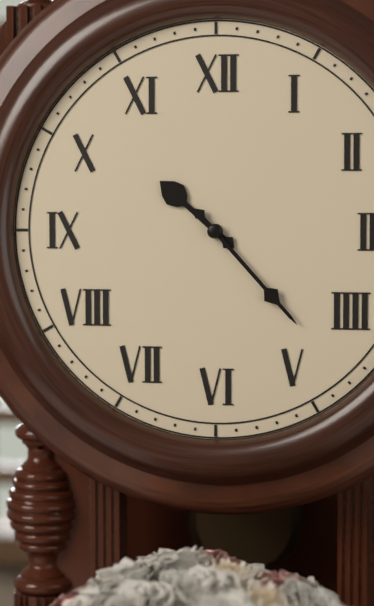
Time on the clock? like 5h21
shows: 10h23
